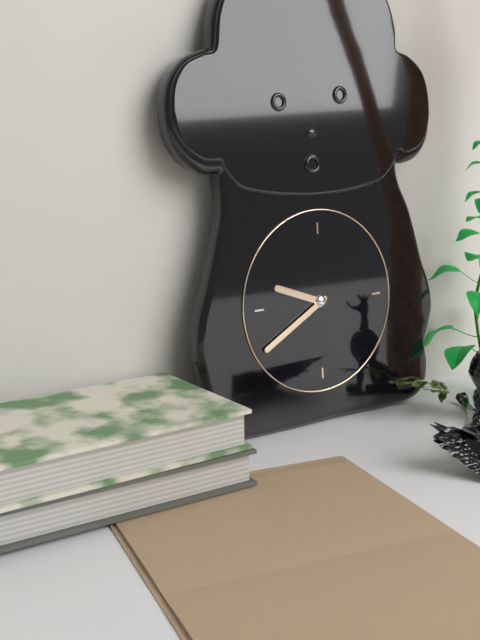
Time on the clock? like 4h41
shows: 9h40
